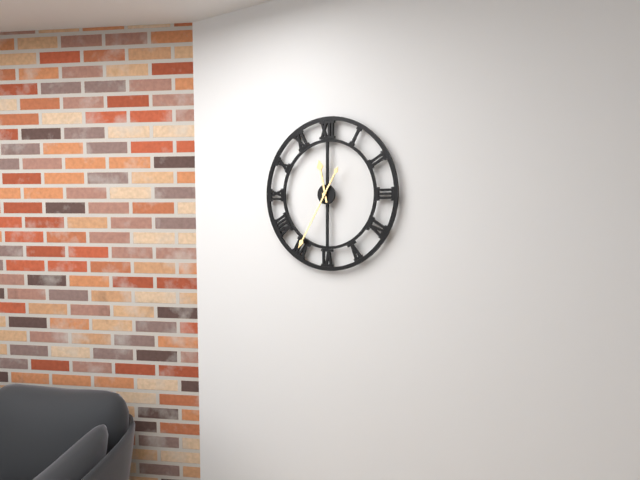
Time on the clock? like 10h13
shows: 11h35
